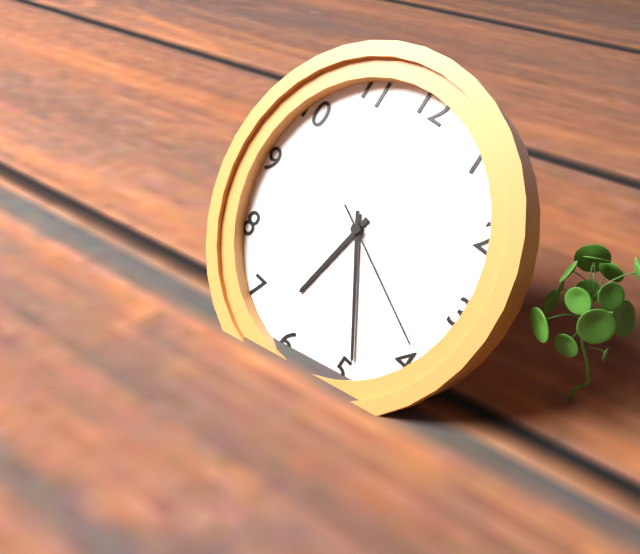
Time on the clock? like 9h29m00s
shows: 6h24m19s
